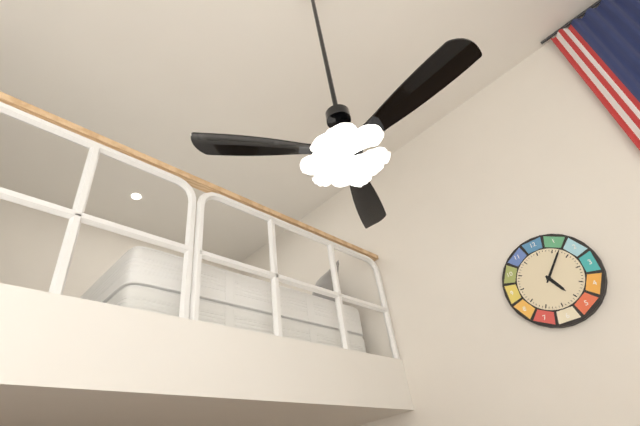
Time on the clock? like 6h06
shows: 5h07
